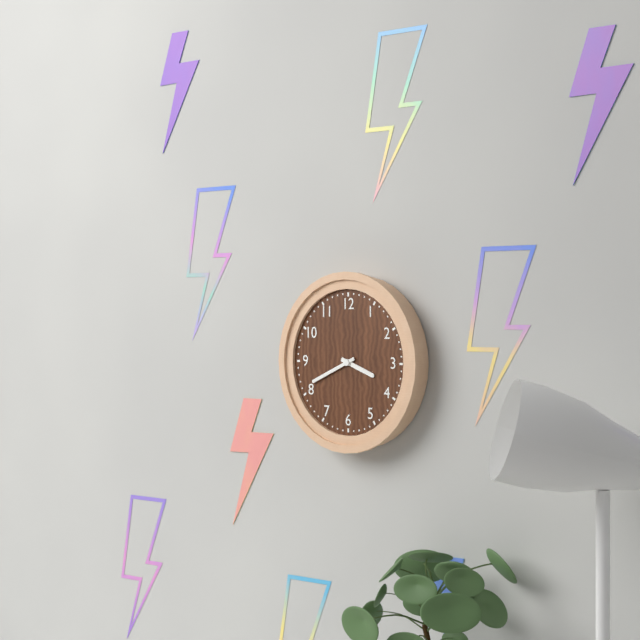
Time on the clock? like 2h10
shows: 3h41
